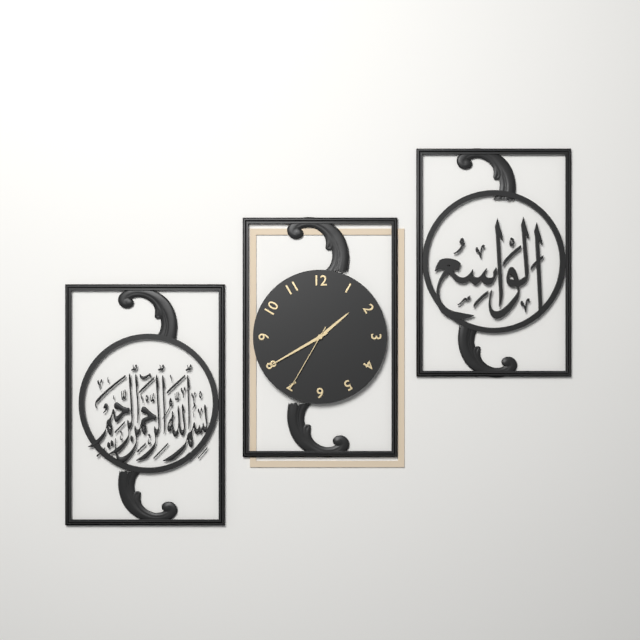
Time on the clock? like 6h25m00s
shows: 1h40m35s
